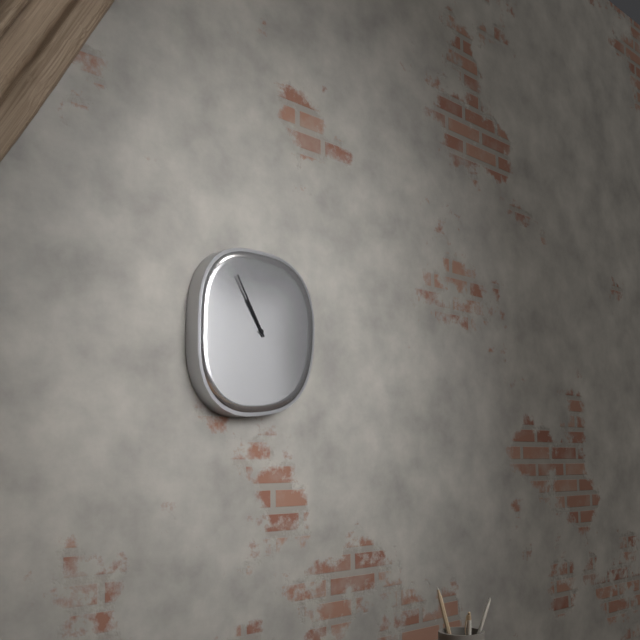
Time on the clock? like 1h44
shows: 10h55
